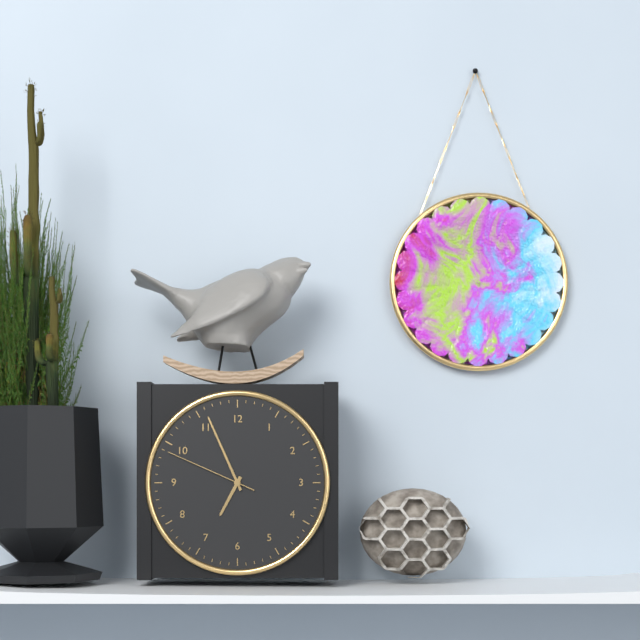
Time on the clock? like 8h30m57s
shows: 6h56m49s
